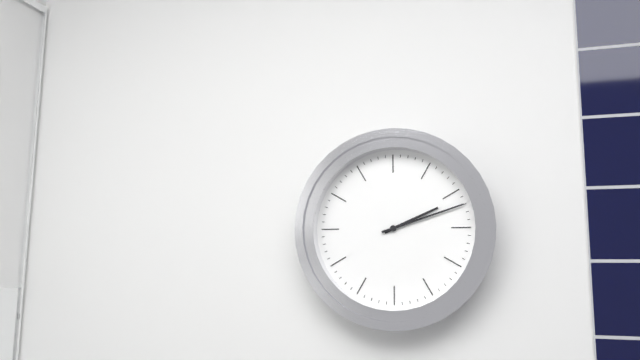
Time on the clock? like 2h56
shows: 2h12
